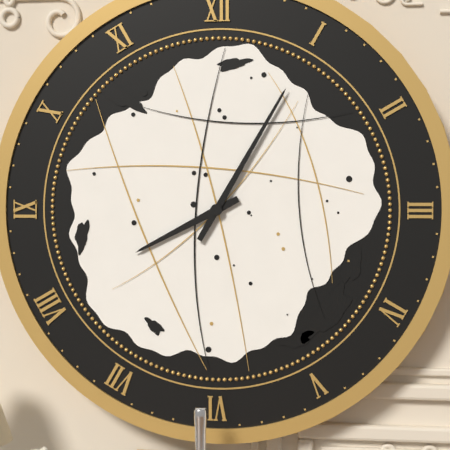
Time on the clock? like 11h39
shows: 8h05
